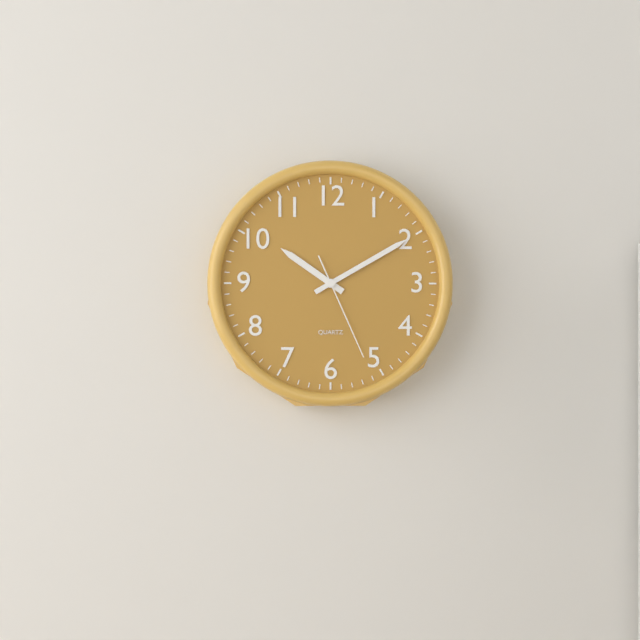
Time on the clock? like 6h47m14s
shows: 10h10m26s
